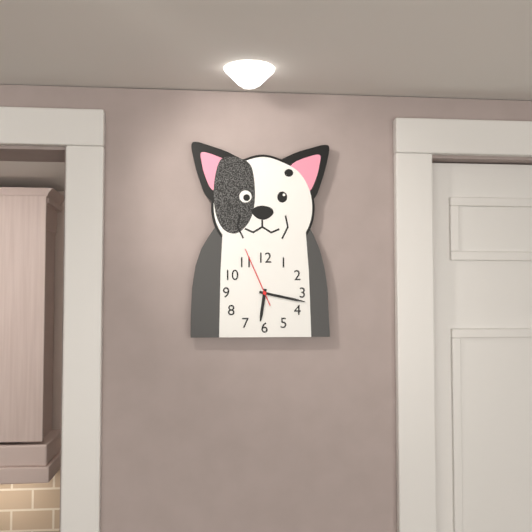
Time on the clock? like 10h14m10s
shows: 6h17m56s
